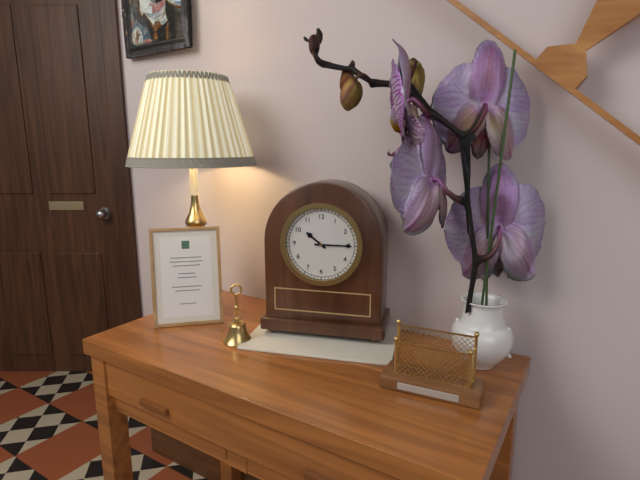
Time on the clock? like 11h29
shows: 10h15
